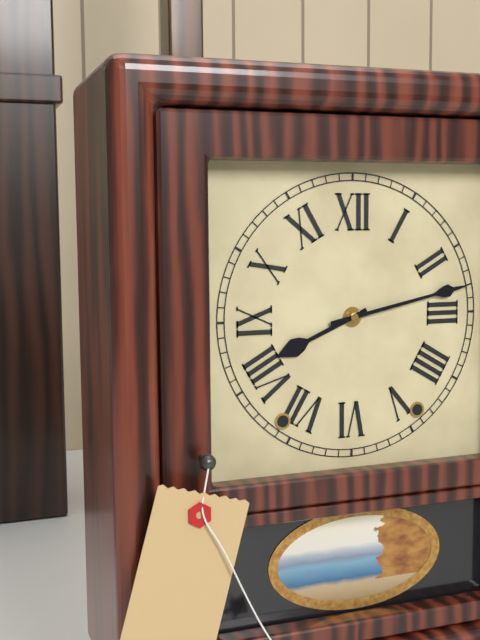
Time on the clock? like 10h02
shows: 8h13
